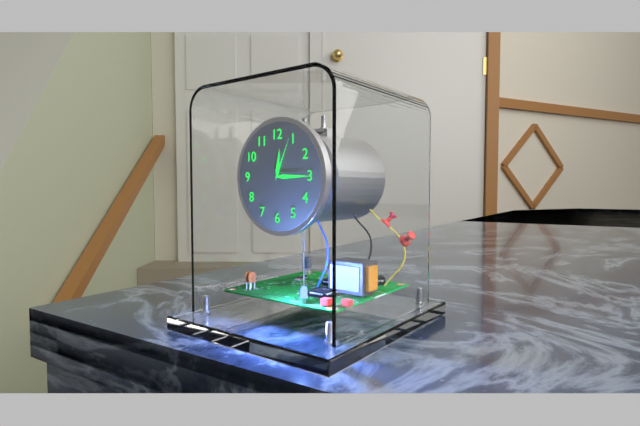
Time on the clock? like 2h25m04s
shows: 12h15m04s
